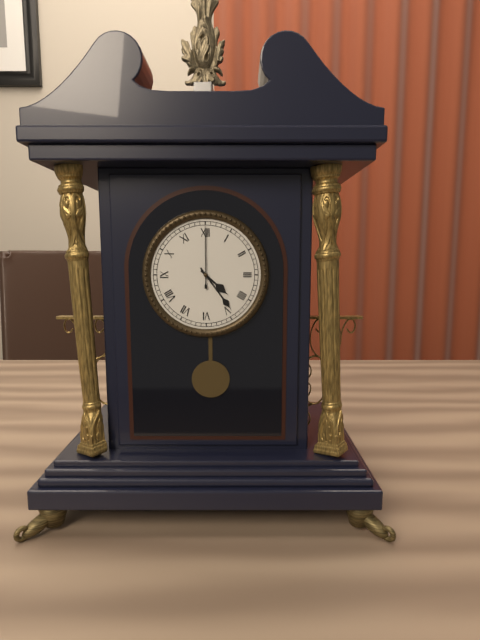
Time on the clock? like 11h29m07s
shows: 4h24m00s
